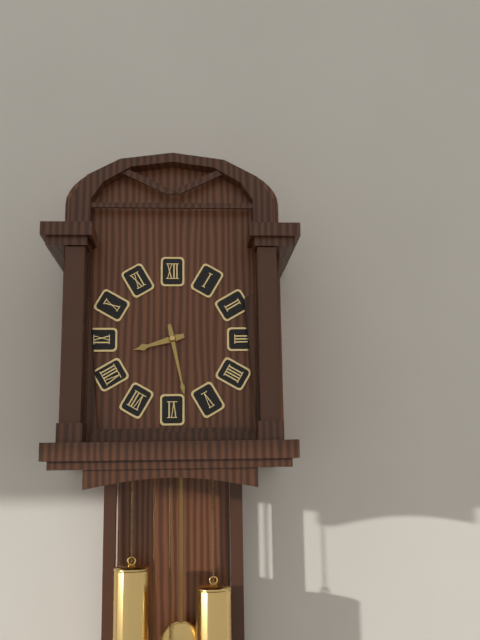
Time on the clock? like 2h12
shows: 8h28
